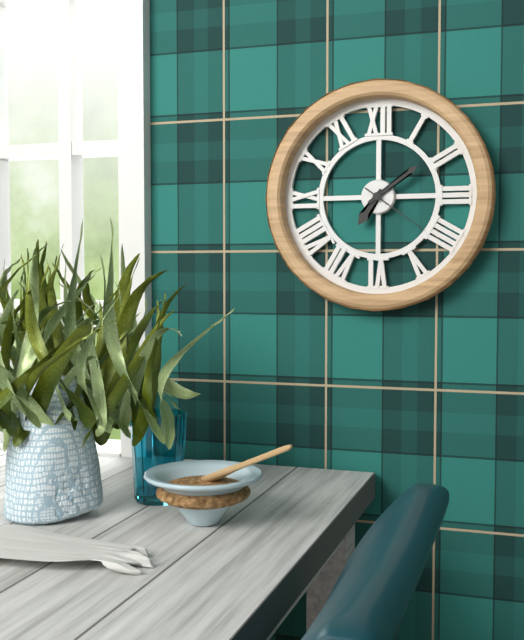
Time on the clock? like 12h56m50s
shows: 7h09m21s
